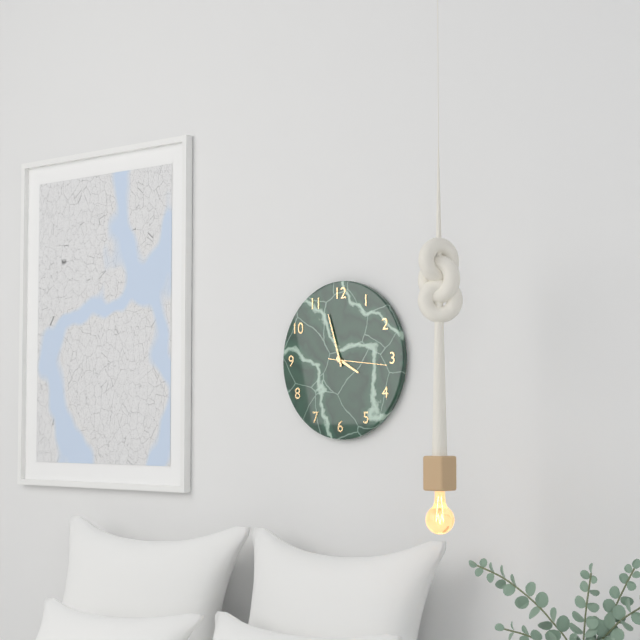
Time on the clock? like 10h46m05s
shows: 3h57m16s
